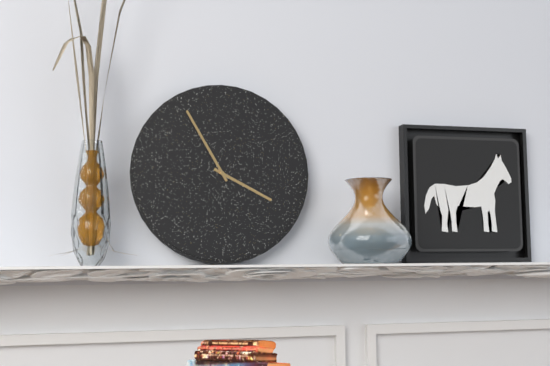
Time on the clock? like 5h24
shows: 3h55
